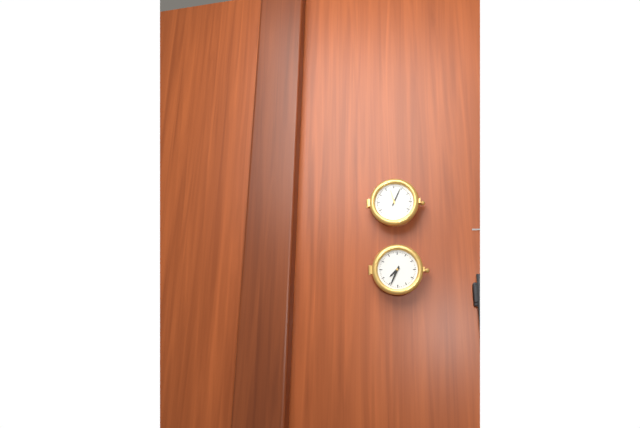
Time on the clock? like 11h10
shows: 7h34
